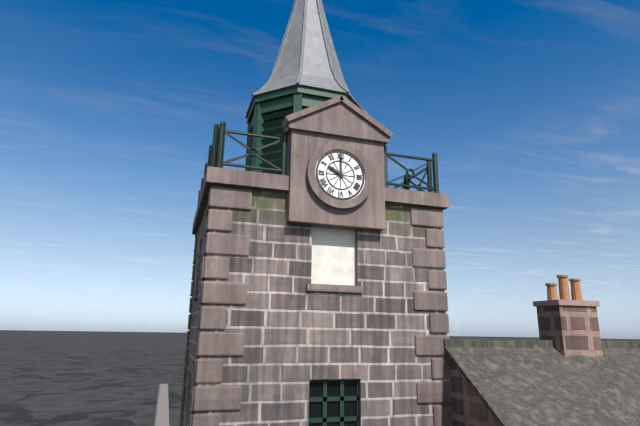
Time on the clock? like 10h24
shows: 10h00
